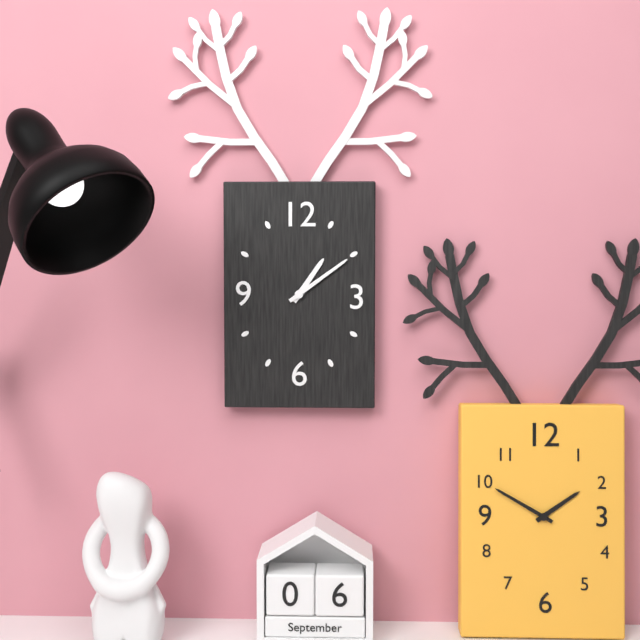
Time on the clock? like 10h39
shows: 1h09
